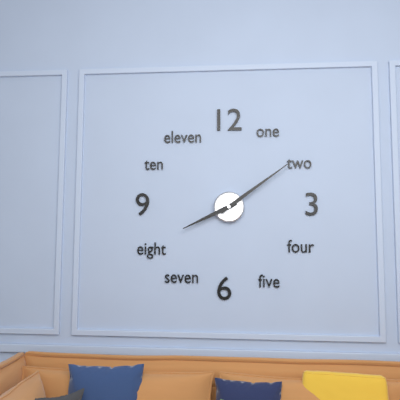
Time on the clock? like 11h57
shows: 8h09
